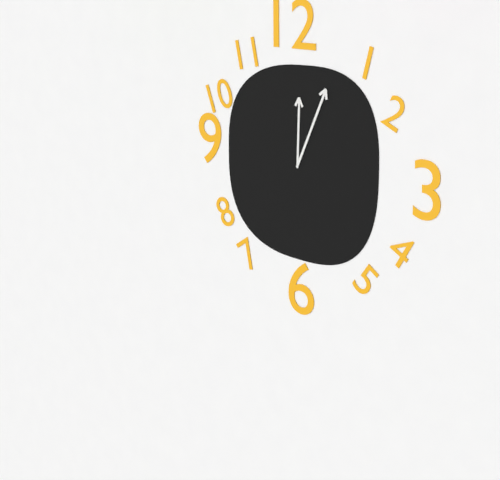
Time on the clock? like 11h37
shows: 12h04
